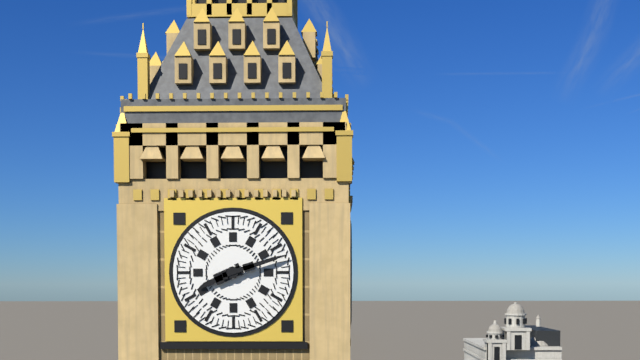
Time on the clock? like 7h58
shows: 8h12
